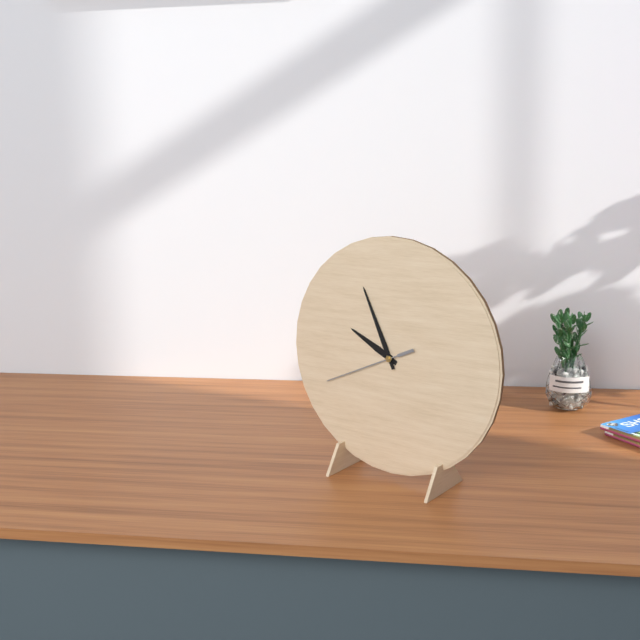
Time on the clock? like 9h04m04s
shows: 9h56m41s
